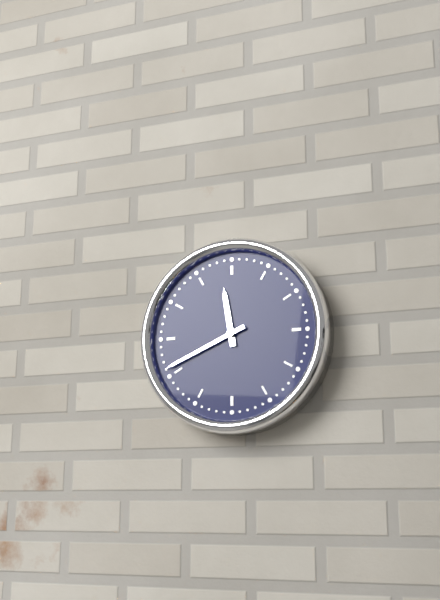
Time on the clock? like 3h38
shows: 11h41
